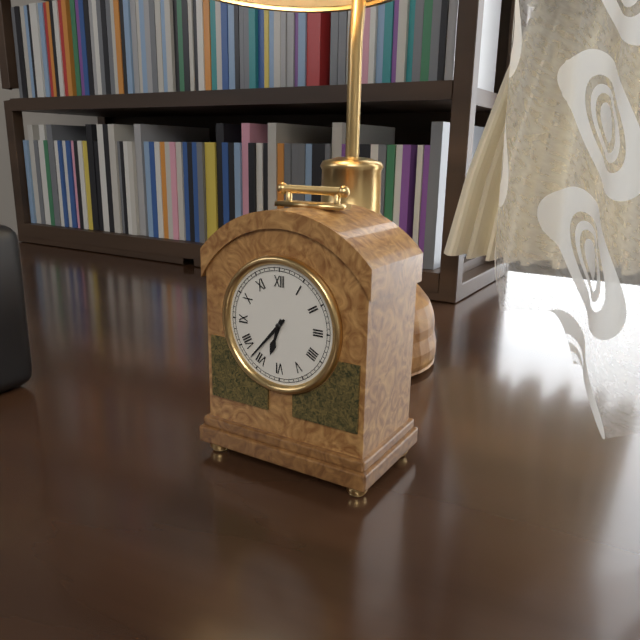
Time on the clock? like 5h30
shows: 6h37
